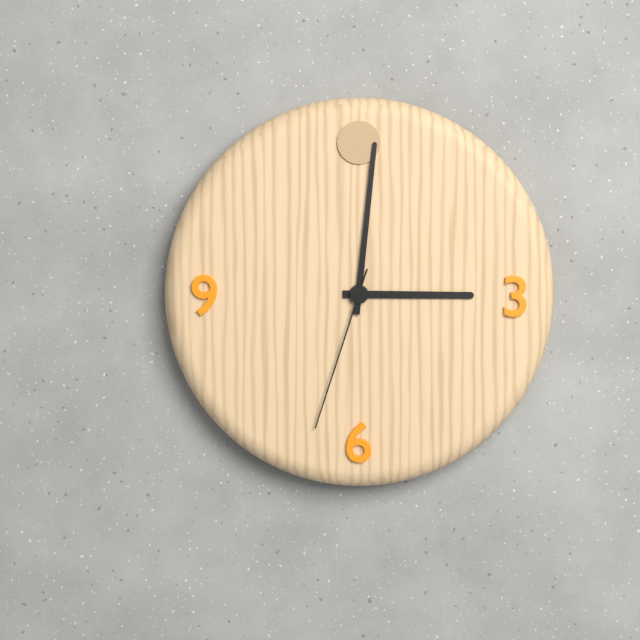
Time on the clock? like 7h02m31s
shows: 3h01m33s
